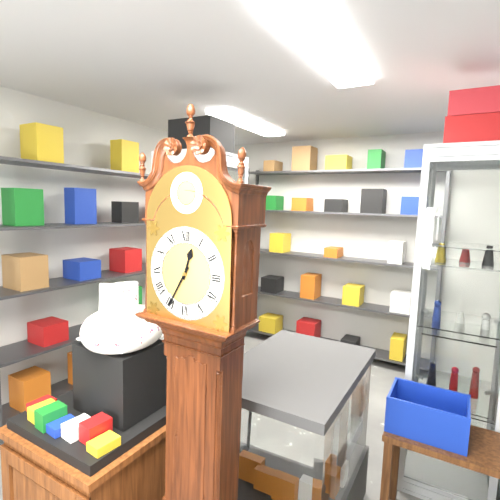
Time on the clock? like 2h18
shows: 12h35
